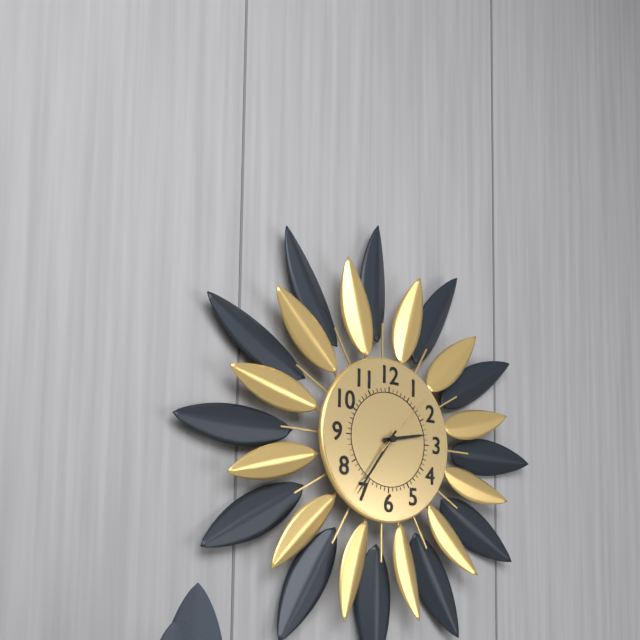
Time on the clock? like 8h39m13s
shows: 2h36m07s
